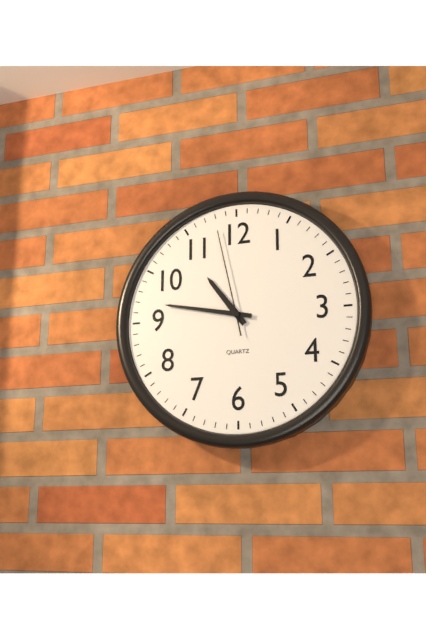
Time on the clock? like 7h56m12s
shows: 10h47m58s
